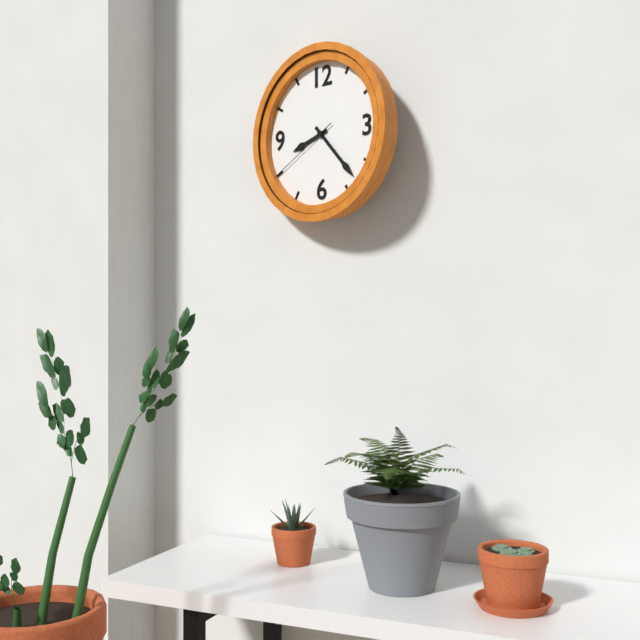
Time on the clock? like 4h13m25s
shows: 8h23m40s
